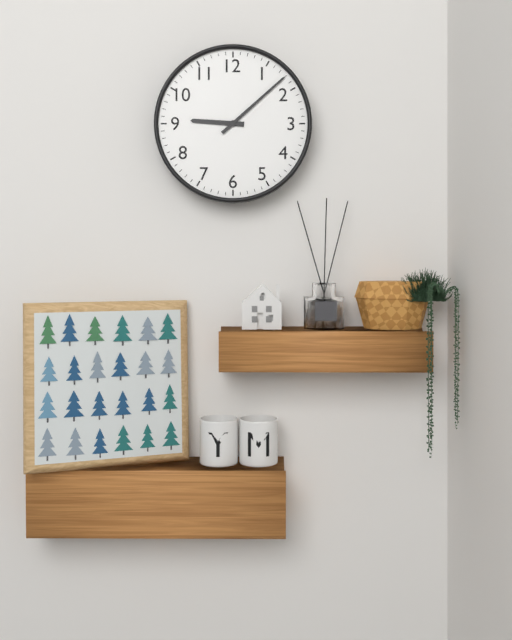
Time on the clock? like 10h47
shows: 9h08
